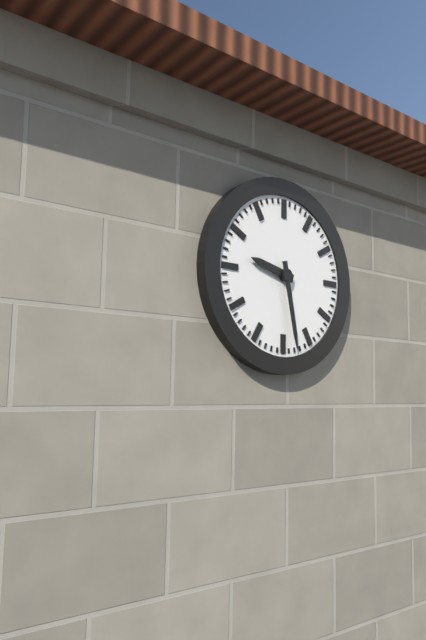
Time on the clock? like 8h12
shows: 9h28
